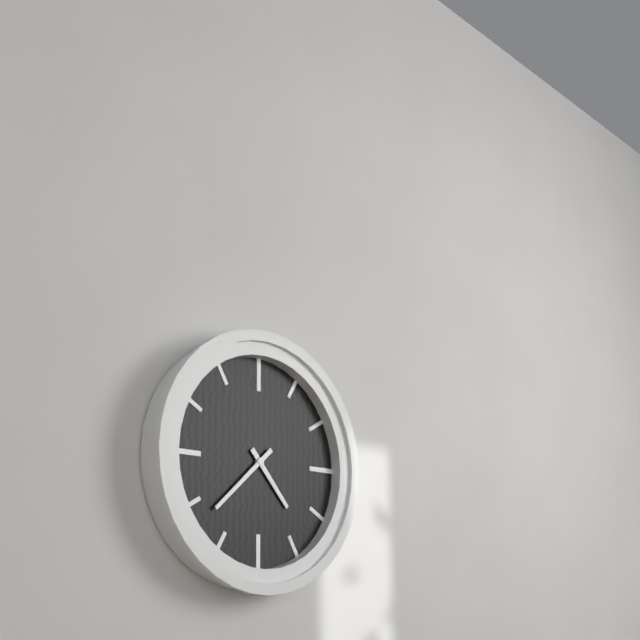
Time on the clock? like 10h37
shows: 4h38
